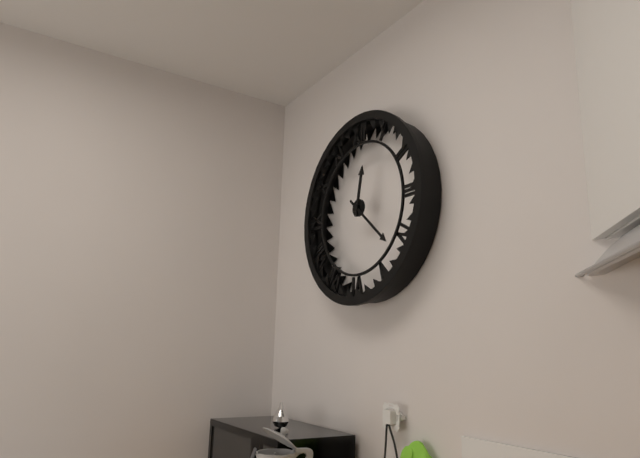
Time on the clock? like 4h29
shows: 12h22
